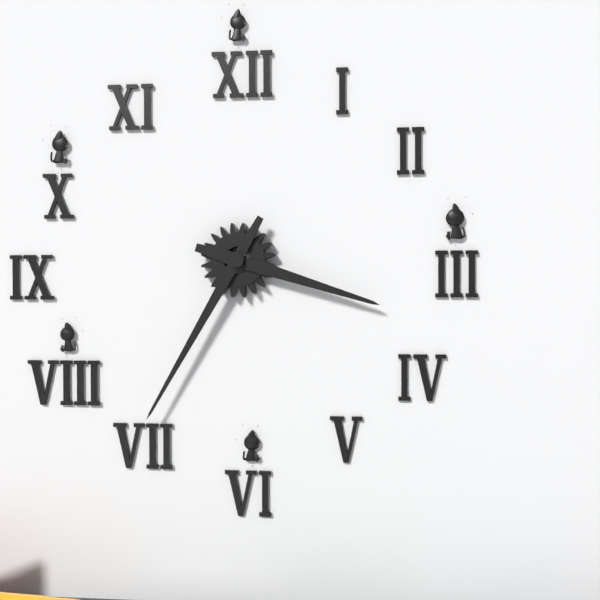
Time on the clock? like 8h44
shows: 3h35
